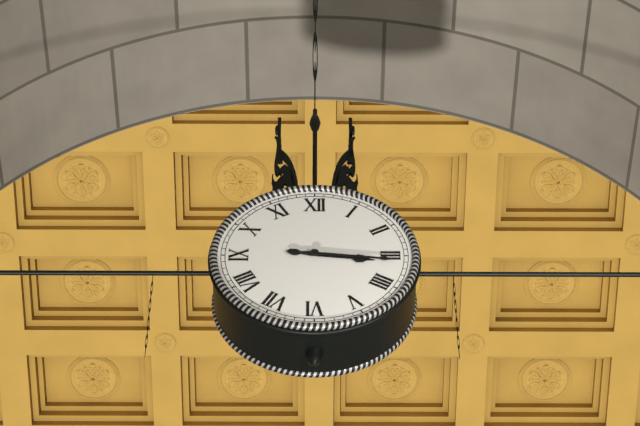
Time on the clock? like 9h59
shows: 3h16
